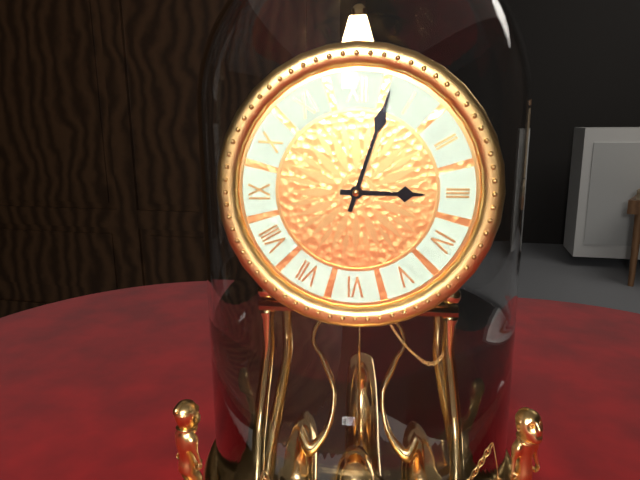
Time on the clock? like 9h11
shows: 3h03
